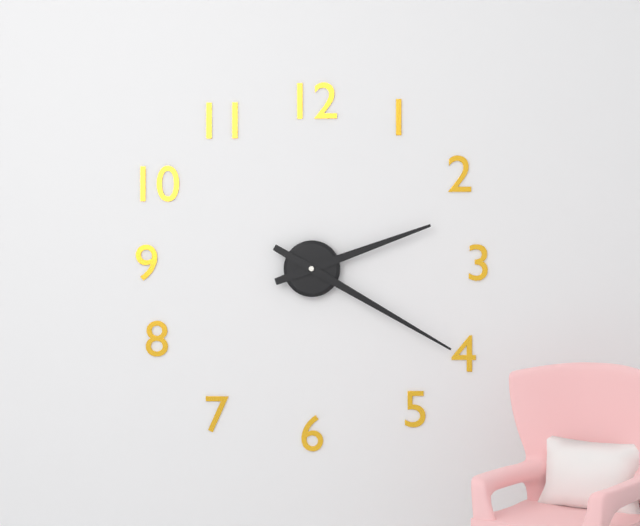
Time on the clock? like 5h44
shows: 2h20
